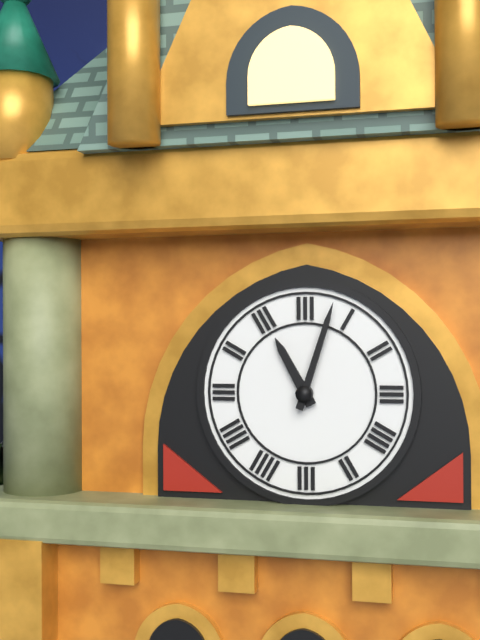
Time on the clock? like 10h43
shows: 11h03
